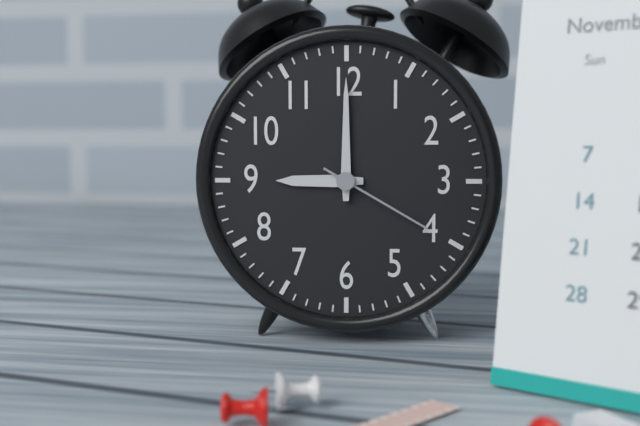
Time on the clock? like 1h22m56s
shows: 9h00m20s
